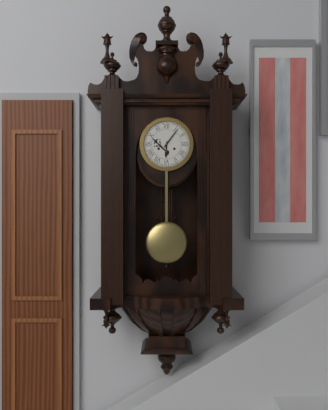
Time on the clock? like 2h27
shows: 6h06
